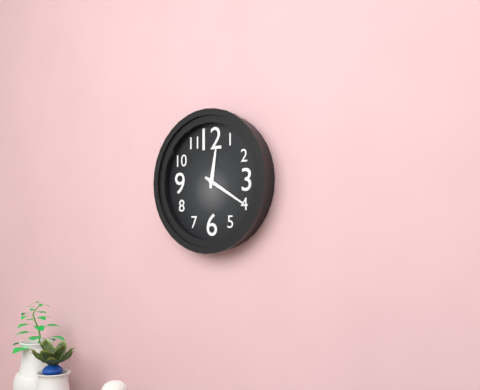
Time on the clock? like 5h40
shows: 12h20
